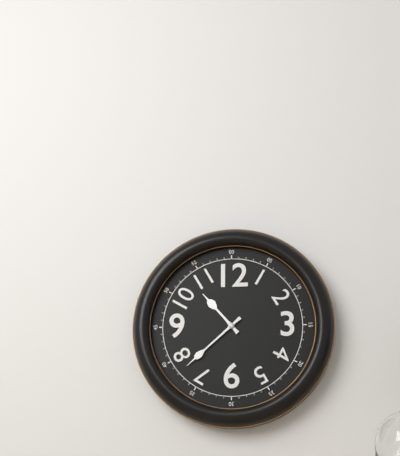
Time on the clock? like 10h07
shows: 10h38
